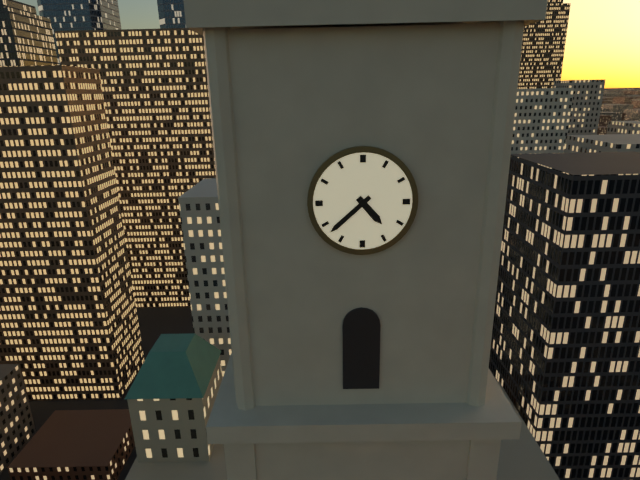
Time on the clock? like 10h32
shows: 4h38
